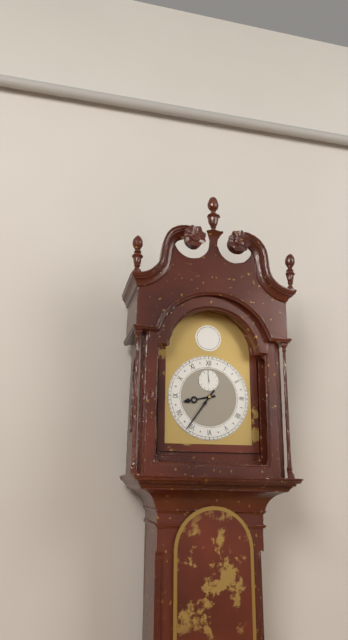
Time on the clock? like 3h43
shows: 8h36
